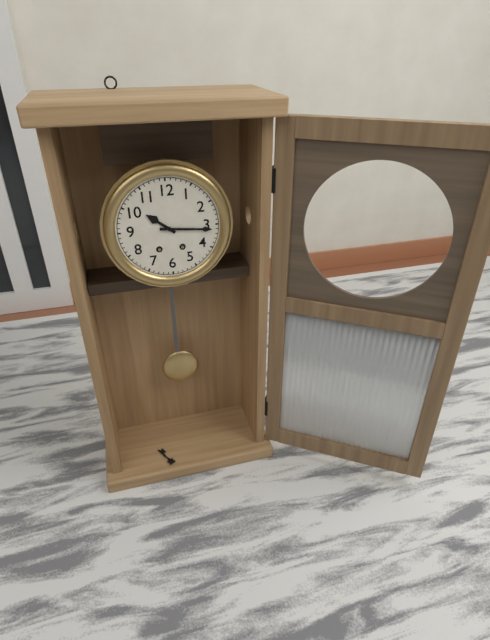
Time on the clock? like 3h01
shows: 10h16
